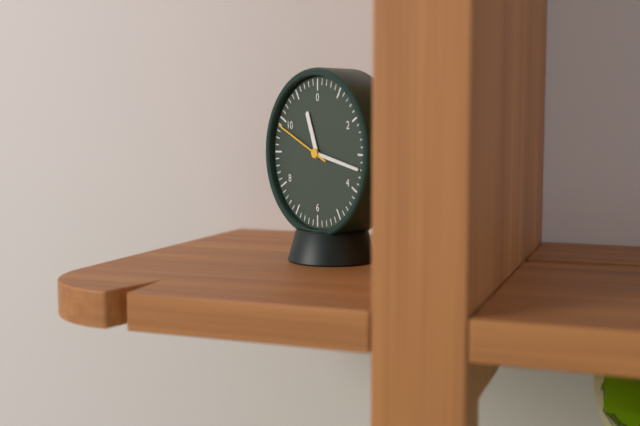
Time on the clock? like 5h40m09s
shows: 11h17m49s
